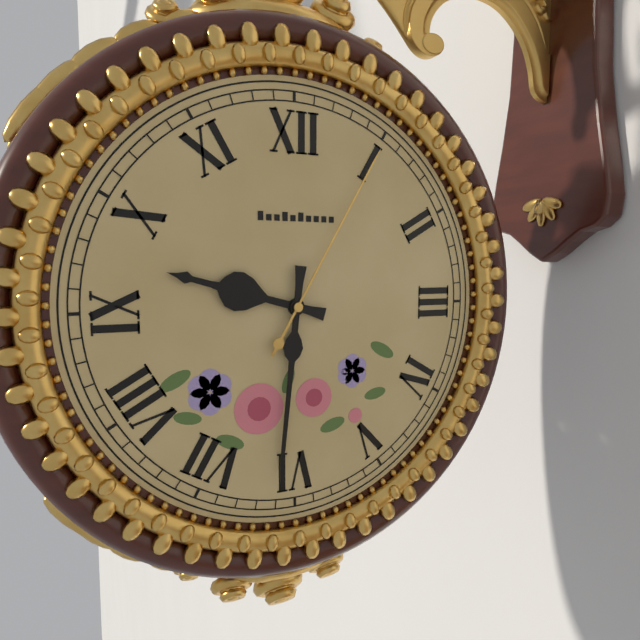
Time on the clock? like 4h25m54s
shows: 9h31m05s
